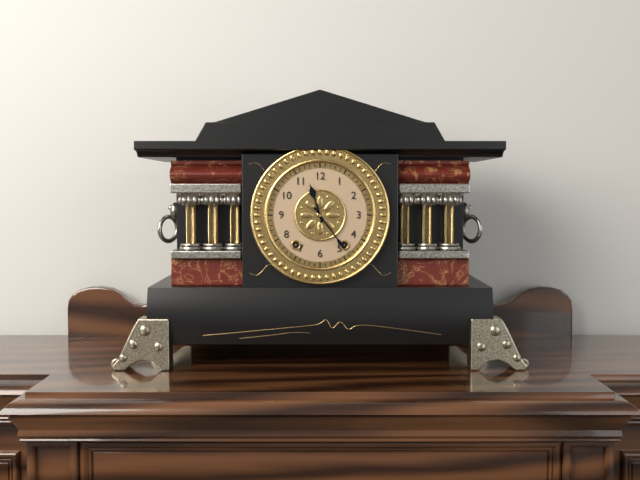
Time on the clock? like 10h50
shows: 11h24
